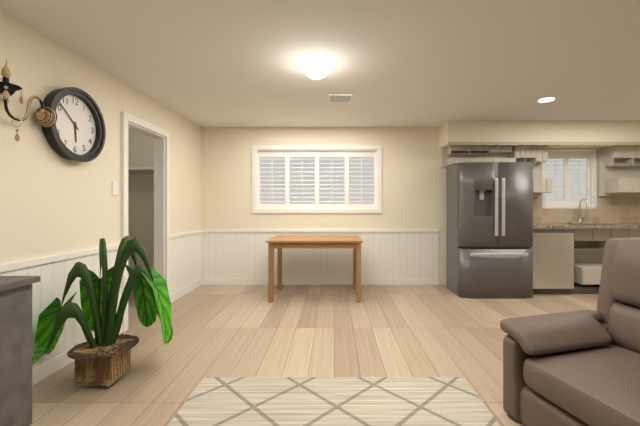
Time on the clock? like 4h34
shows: 5h52
